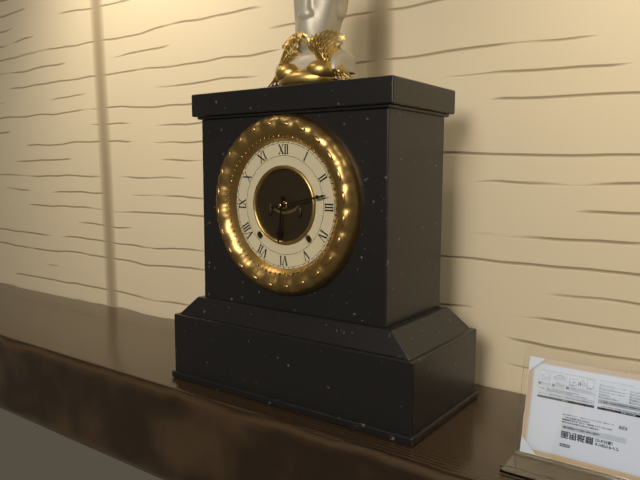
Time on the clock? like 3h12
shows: 6h13
